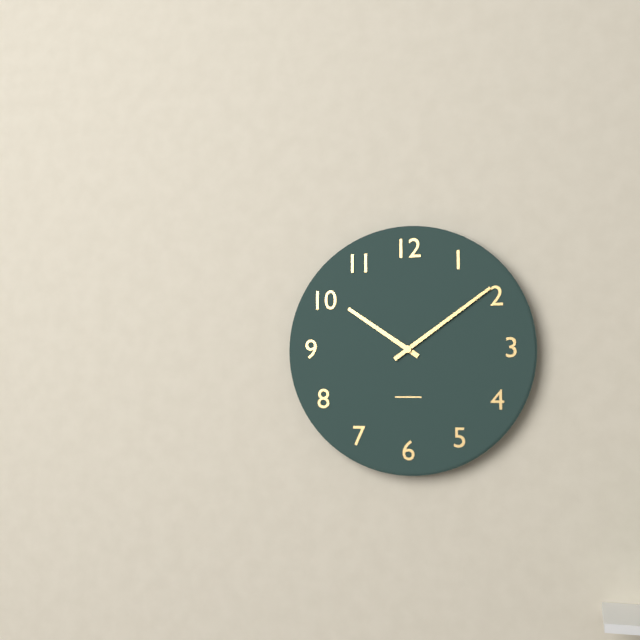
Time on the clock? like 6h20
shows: 10h09
